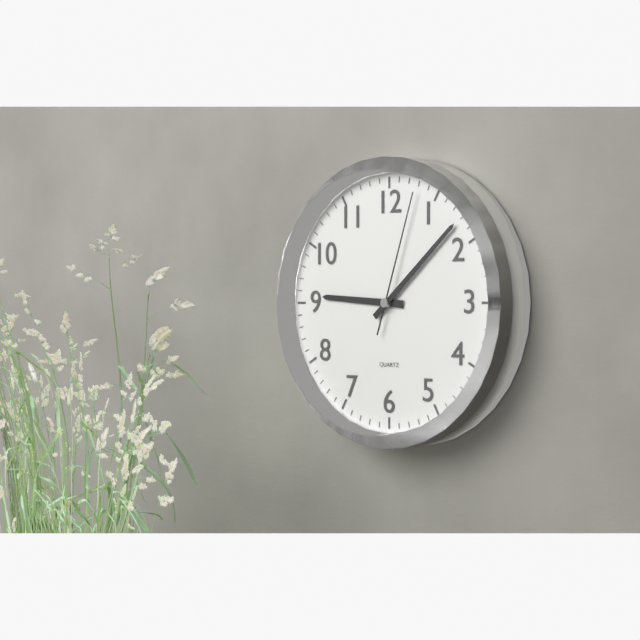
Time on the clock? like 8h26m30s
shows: 9h08m03s
